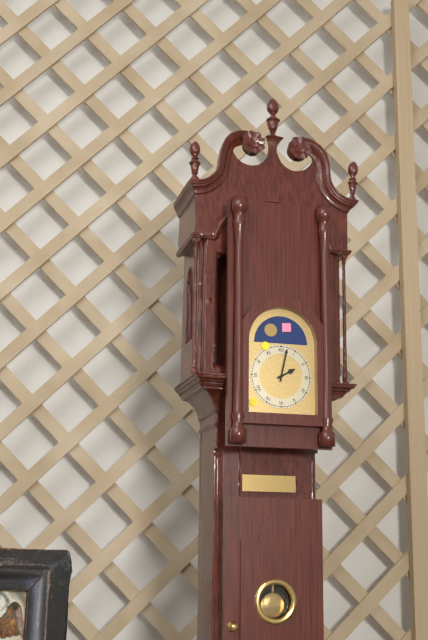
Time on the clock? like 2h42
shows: 2h02
